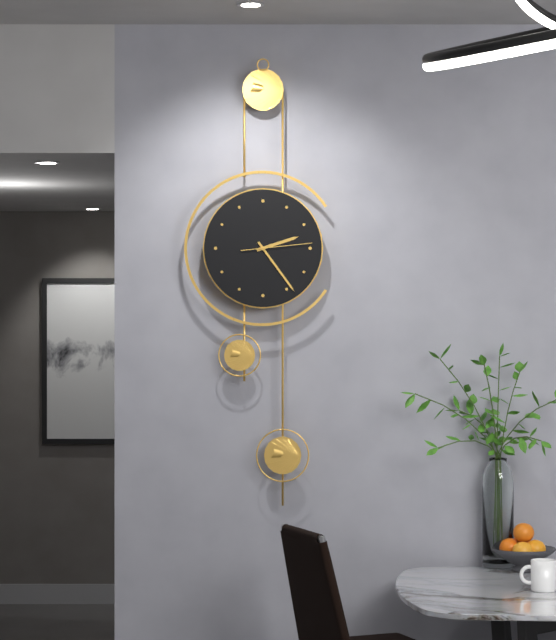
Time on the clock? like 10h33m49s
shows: 2h24m14s
